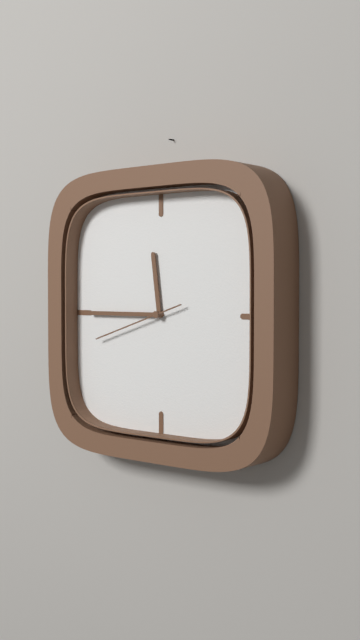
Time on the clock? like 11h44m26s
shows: 11h45m42s
